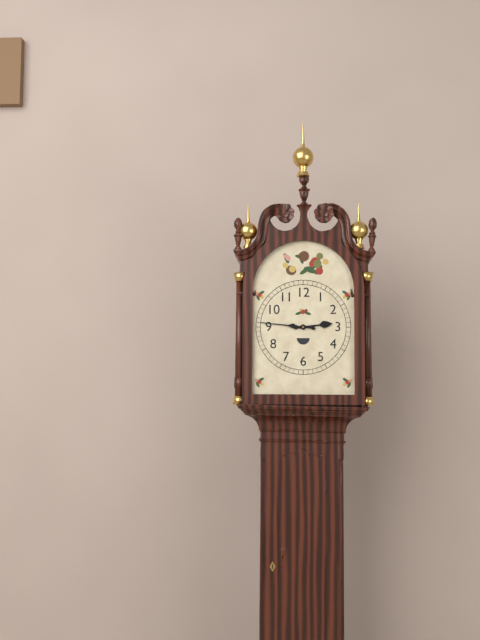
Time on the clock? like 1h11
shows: 2h46
